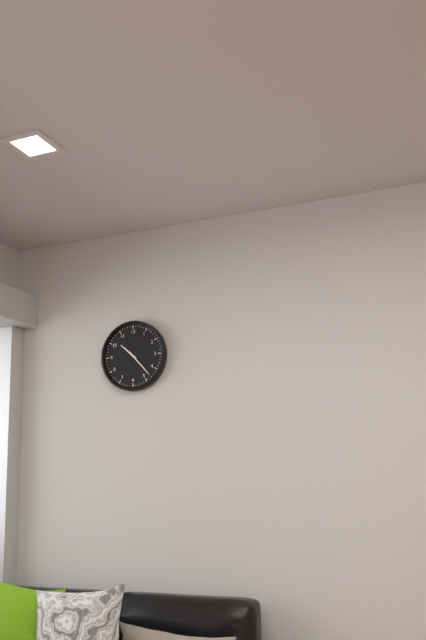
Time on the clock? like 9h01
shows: 10h23
